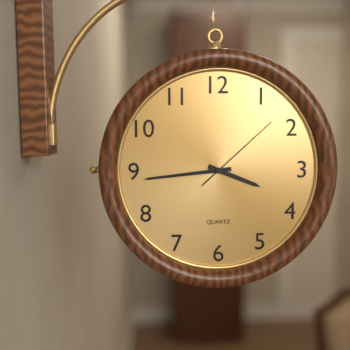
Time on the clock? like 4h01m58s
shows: 3h44m08s
